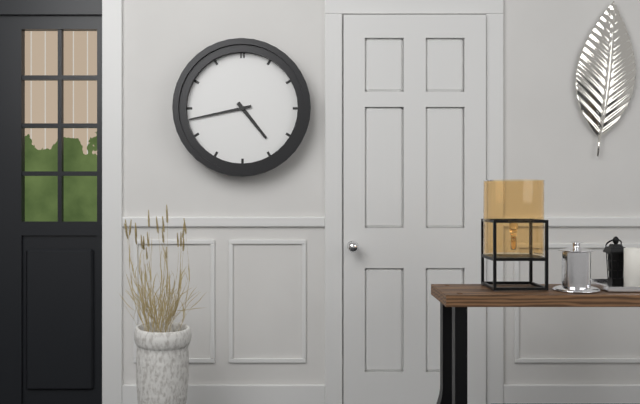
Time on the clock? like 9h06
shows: 4h43
